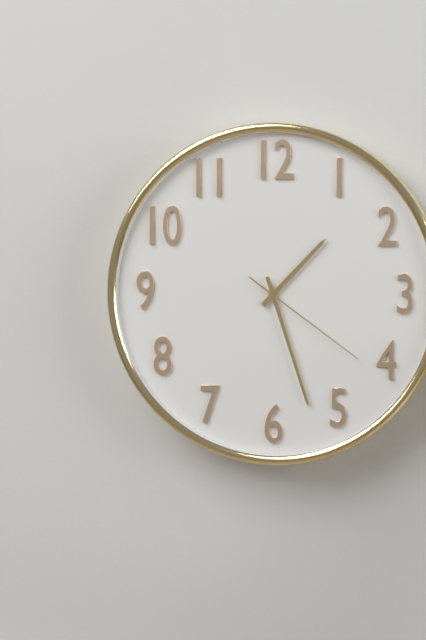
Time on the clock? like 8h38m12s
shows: 1h27m21s
